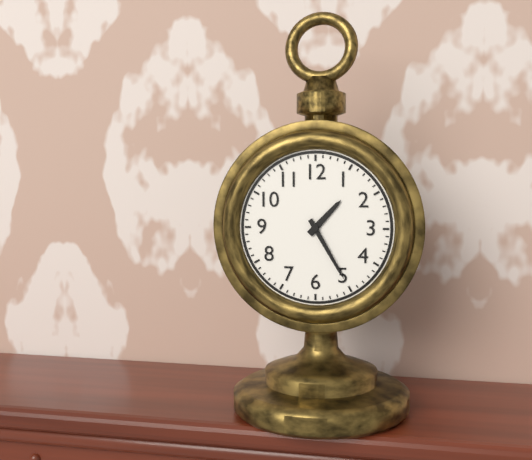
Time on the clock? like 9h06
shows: 1h25
